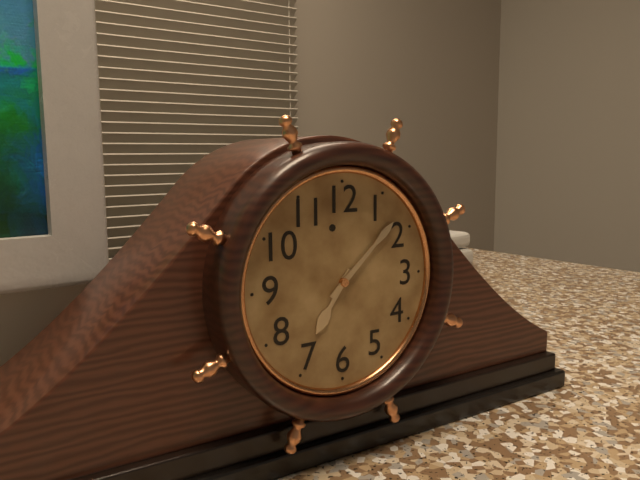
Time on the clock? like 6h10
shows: 7h08
